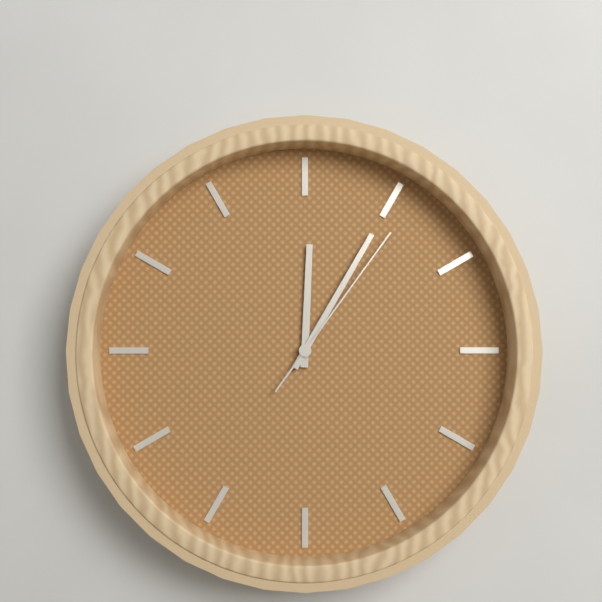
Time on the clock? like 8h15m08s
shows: 12h05m06s
